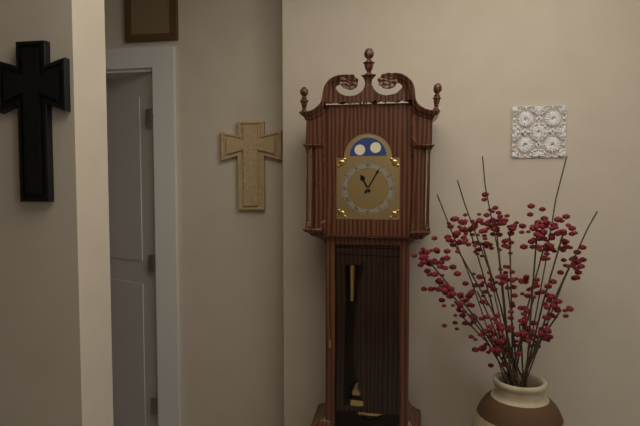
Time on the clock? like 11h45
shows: 11h05
